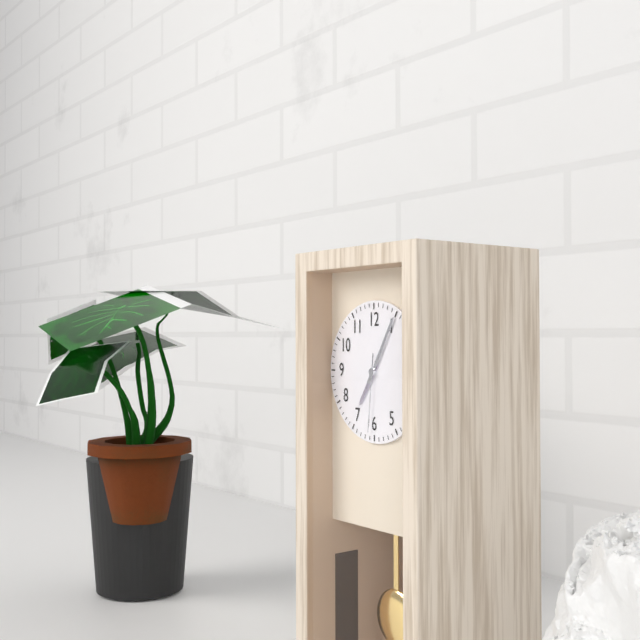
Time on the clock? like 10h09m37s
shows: 7h05m31s
